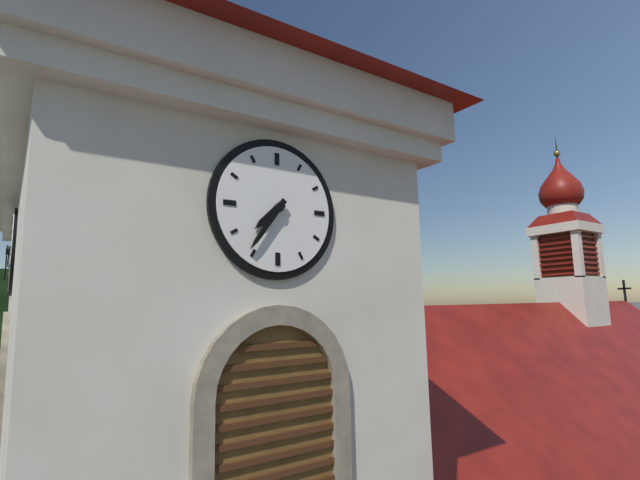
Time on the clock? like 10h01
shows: 7h36
